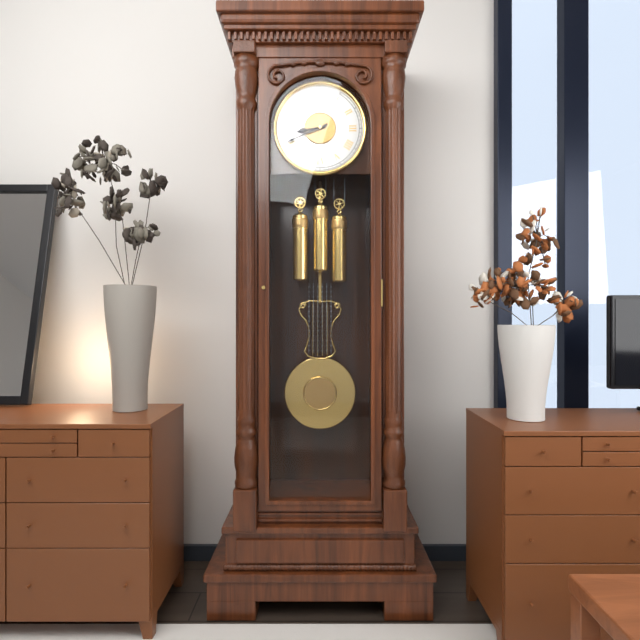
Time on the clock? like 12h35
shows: 8h41
